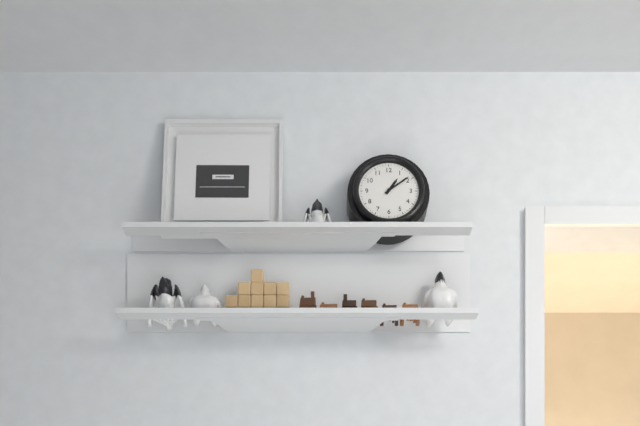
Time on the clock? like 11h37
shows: 1h09
